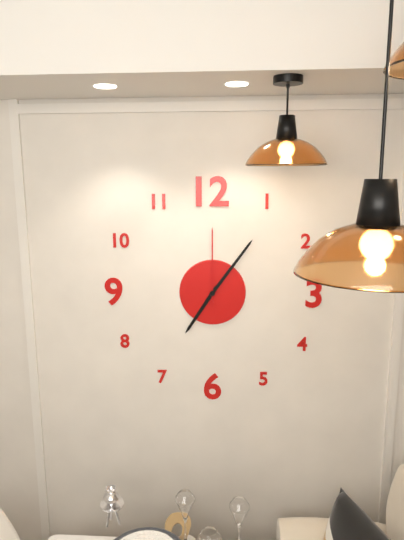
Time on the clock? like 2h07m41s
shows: 7h06m00s
